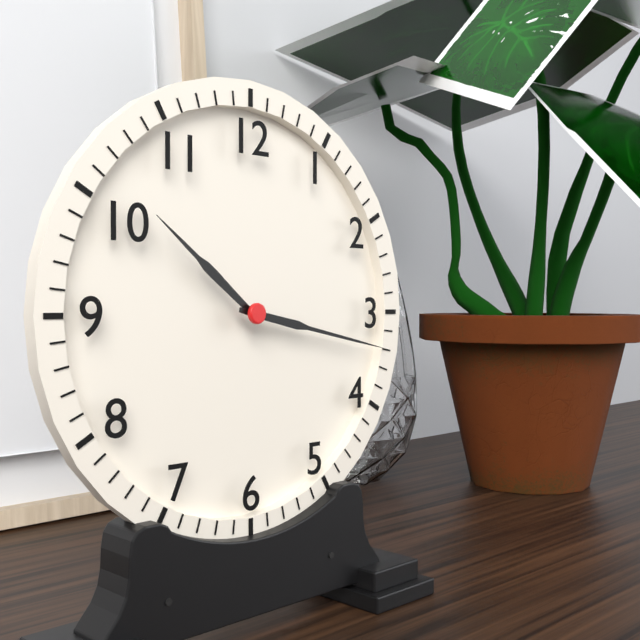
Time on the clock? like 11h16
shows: 10h17
